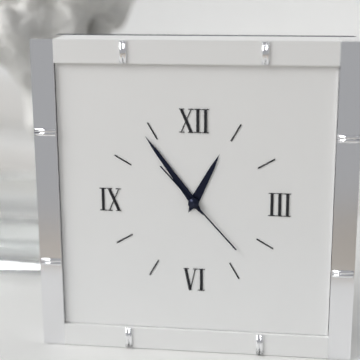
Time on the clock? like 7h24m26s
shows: 12h54m23s
